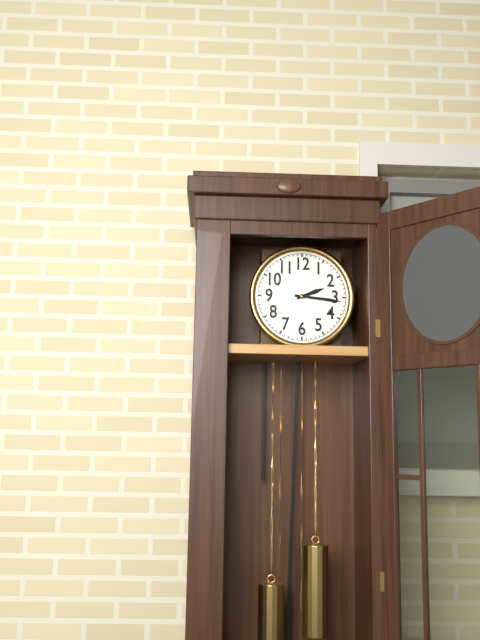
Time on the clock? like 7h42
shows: 2h16
